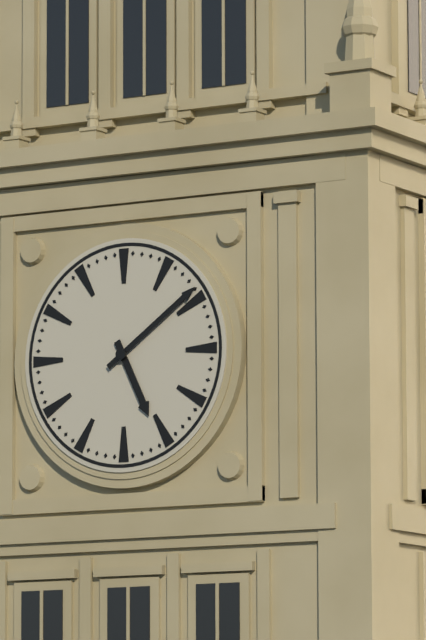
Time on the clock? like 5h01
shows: 5h09
